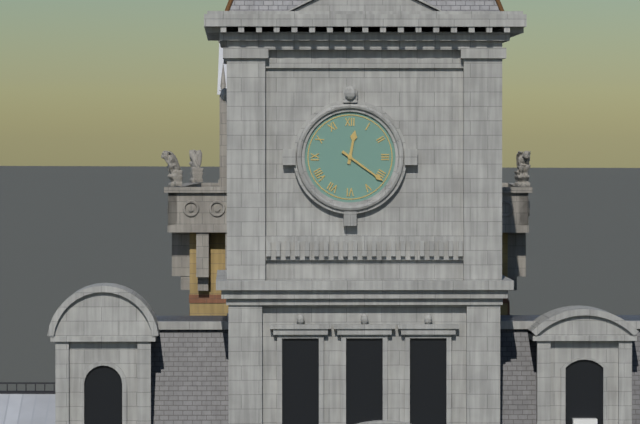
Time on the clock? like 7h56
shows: 12h21
